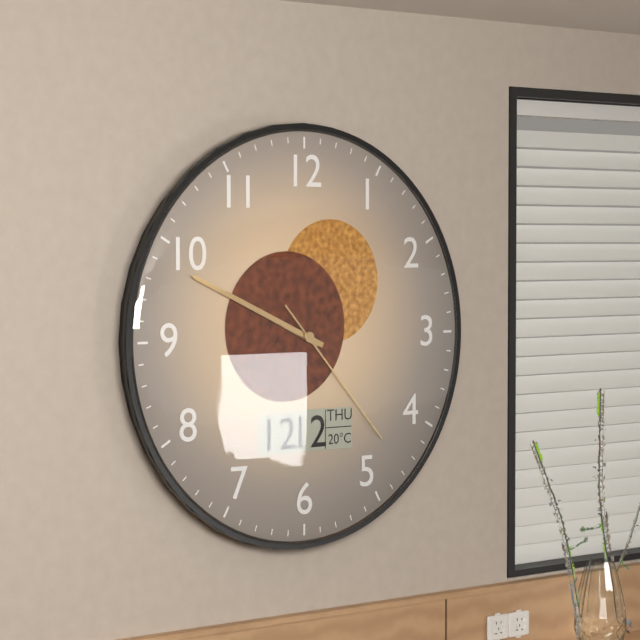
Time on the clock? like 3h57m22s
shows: 9h49m23s
